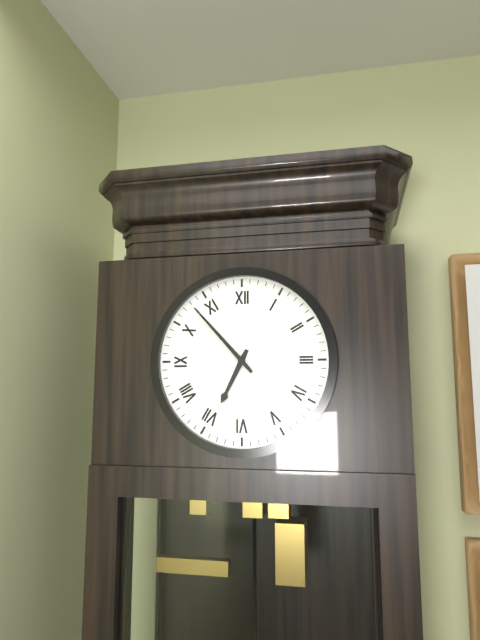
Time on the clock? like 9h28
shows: 6h53
